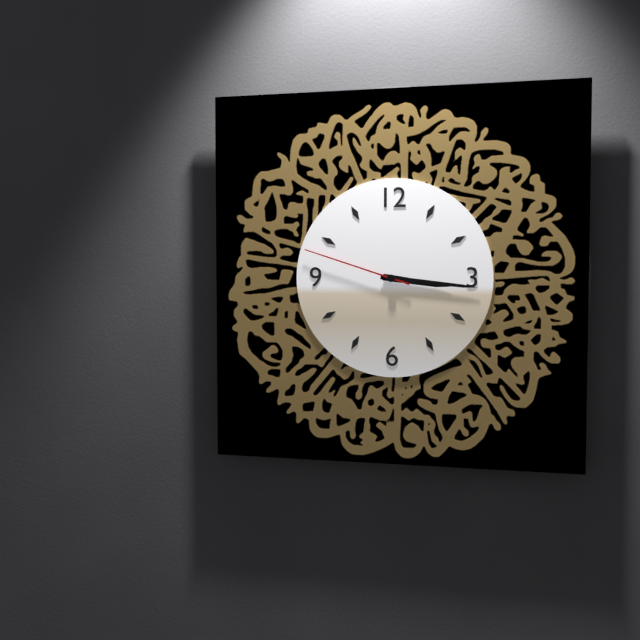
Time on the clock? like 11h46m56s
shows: 3h16m48s
